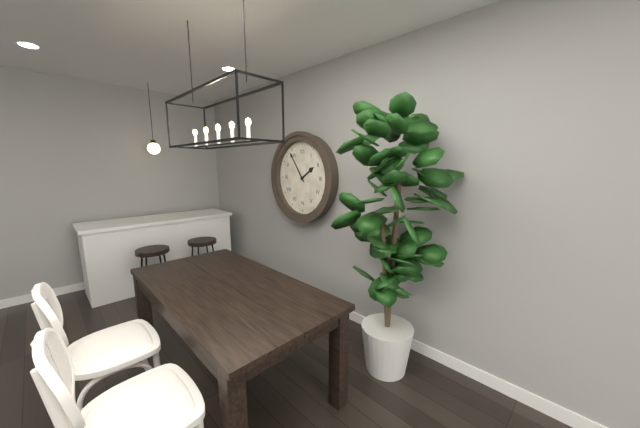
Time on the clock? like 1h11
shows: 1h54
